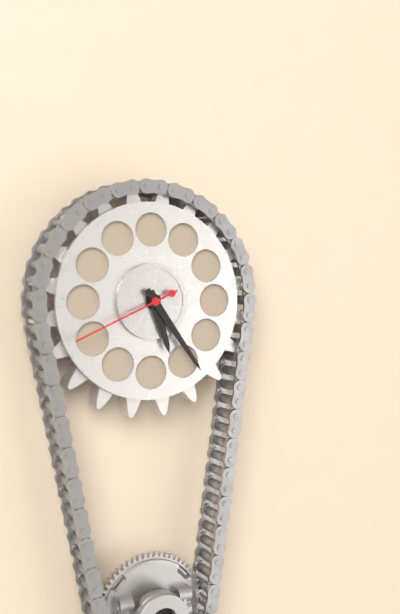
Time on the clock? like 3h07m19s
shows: 5h24m41s
